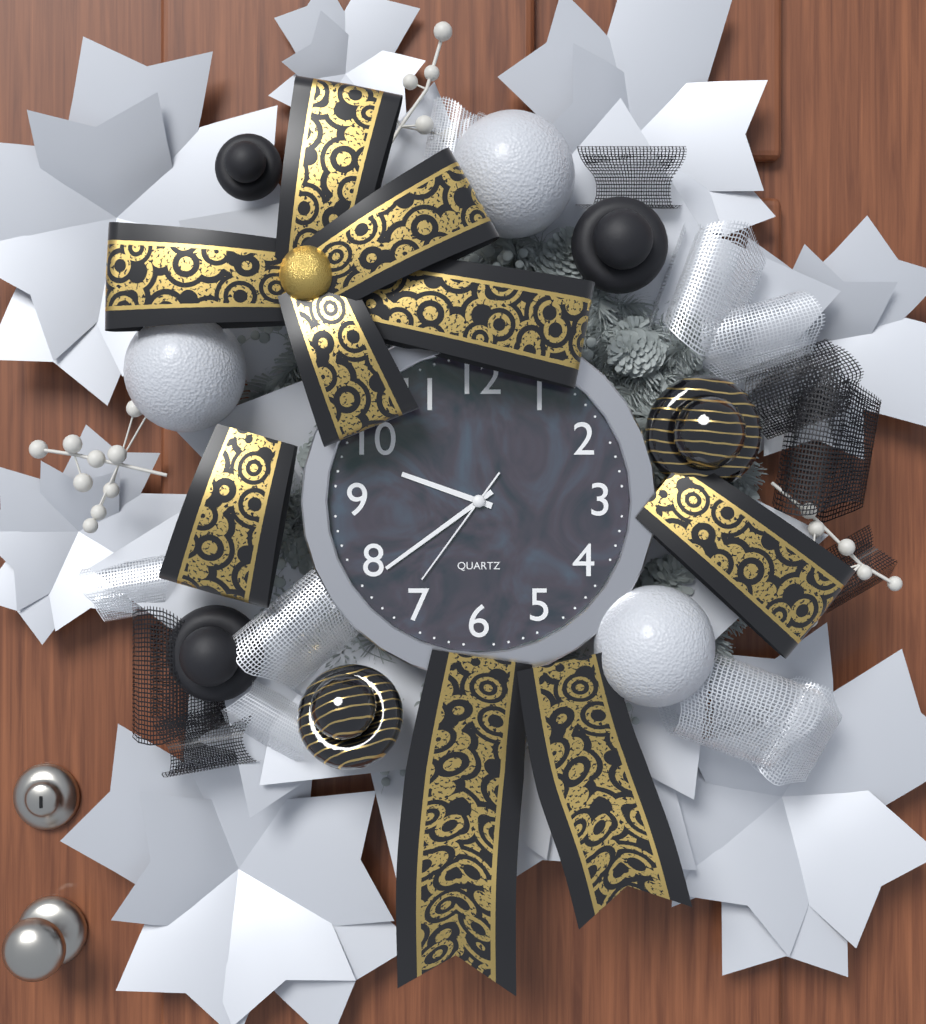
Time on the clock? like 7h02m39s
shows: 9h39m36s
